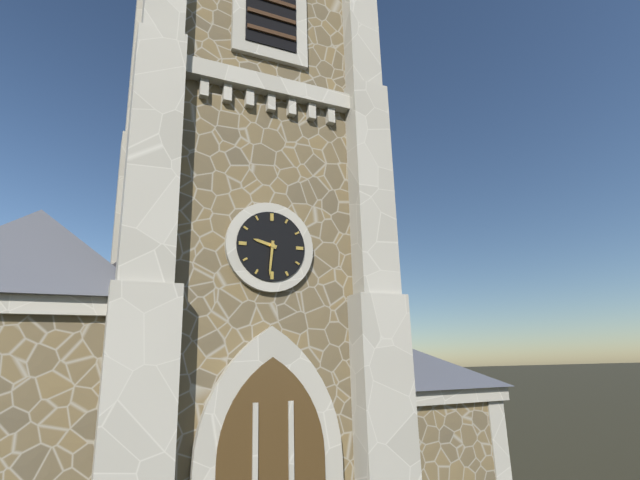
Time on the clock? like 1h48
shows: 9h31
